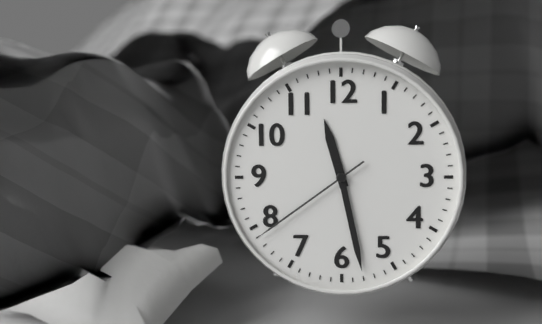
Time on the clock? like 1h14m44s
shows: 11h28m39s
